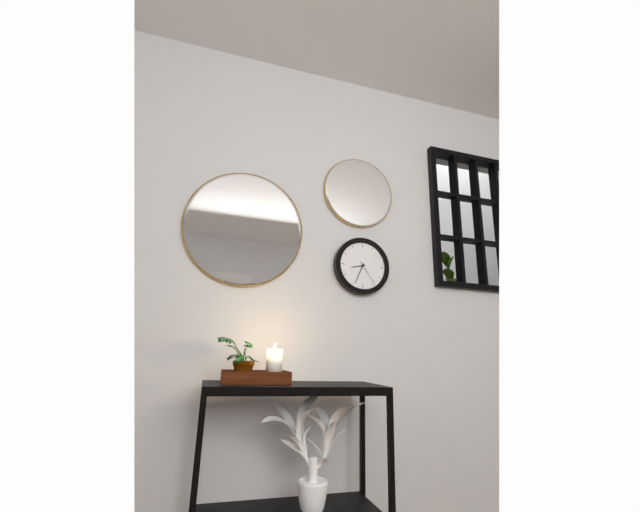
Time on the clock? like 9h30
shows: 8h34
